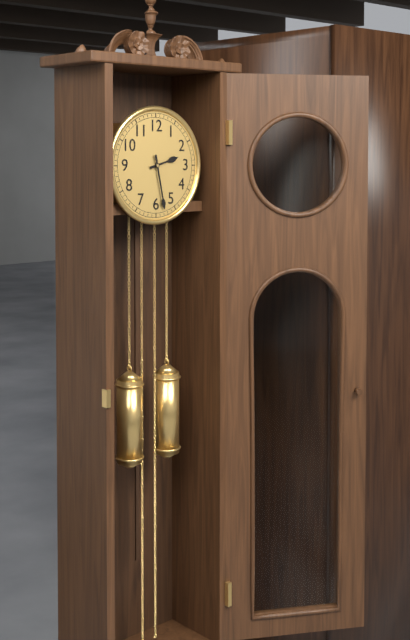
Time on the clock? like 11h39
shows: 2h28
